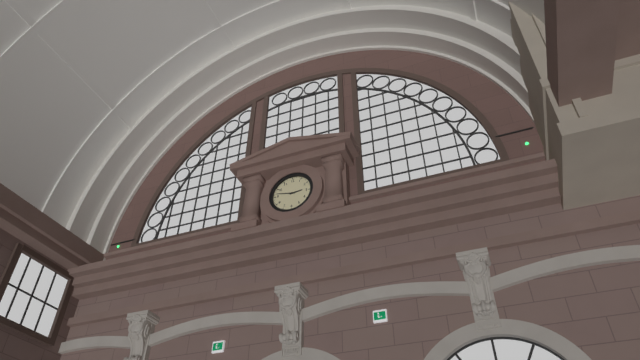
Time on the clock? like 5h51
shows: 2h47
